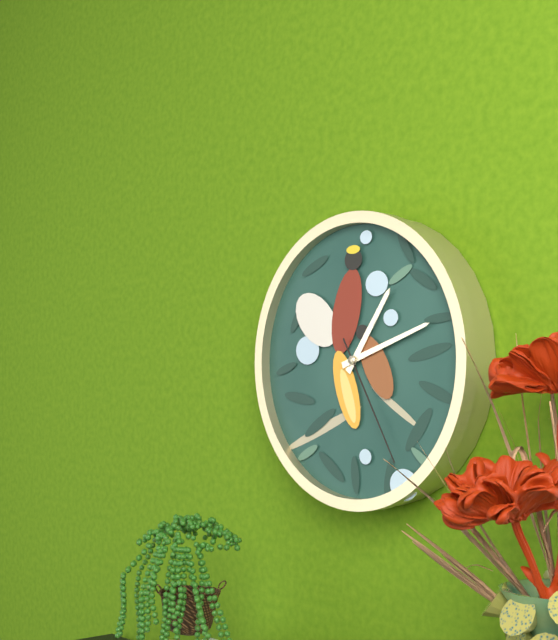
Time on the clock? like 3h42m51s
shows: 1h12m25s
